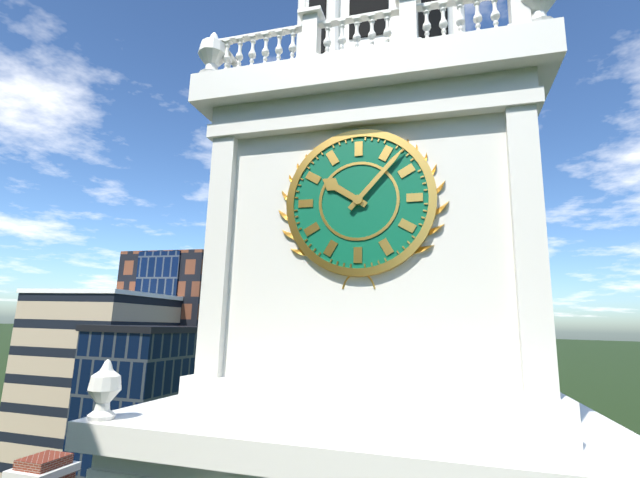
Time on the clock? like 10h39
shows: 10h07
